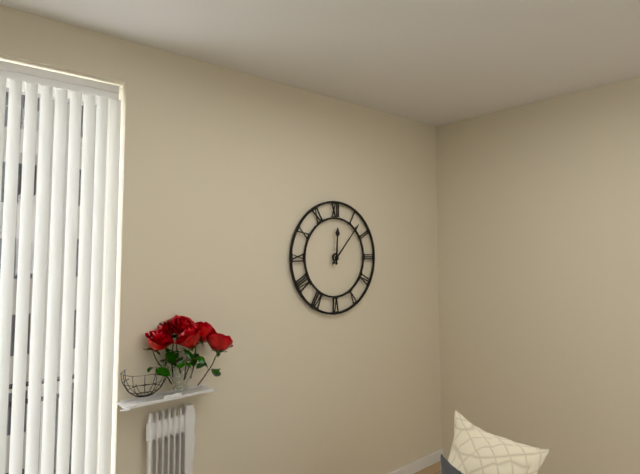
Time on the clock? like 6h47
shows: 12h07
